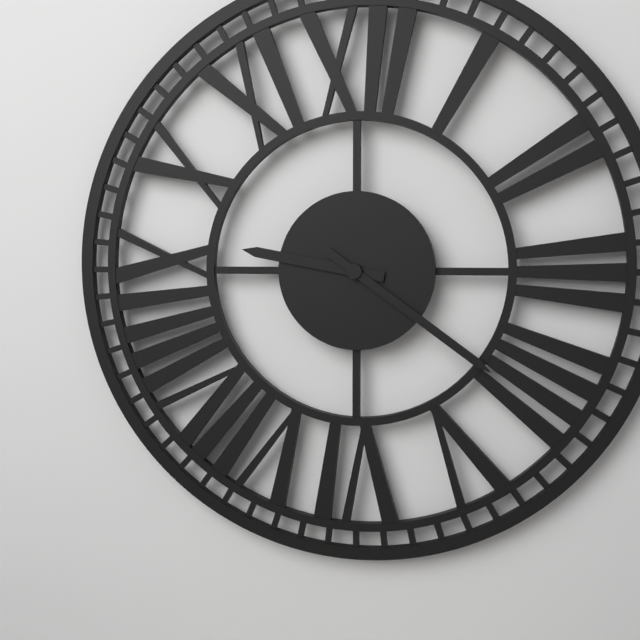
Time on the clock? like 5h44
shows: 9h21
